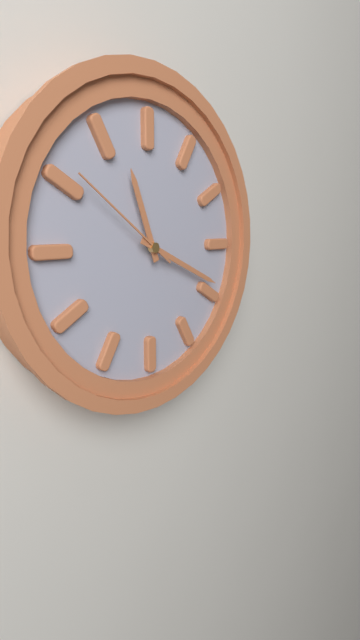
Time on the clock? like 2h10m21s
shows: 11h19m51s
